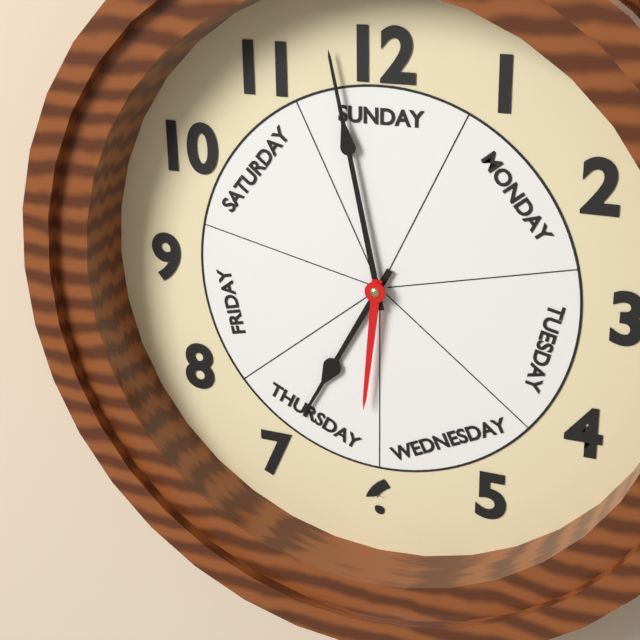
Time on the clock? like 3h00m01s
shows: 6h58m31s
